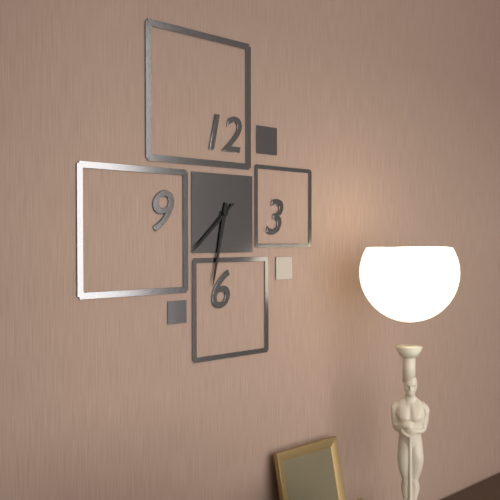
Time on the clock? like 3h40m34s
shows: 7h32m38s
